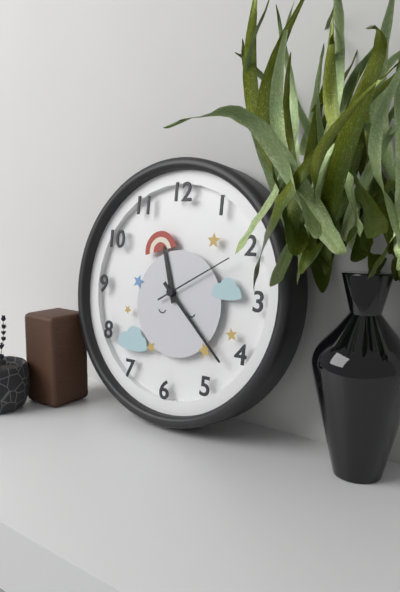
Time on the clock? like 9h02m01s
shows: 11h22m10s
